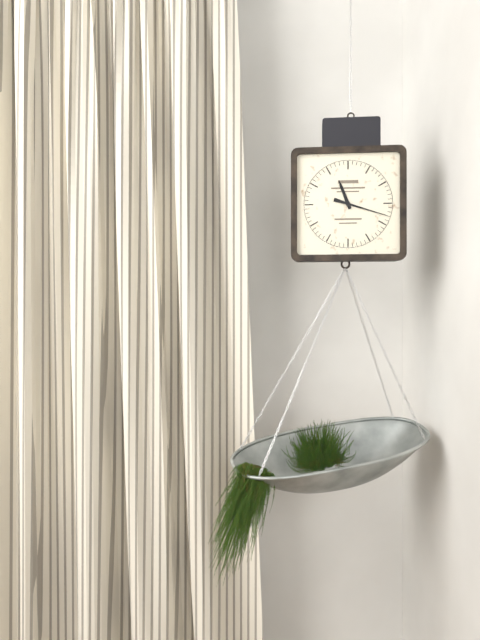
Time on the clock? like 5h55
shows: 11h18
